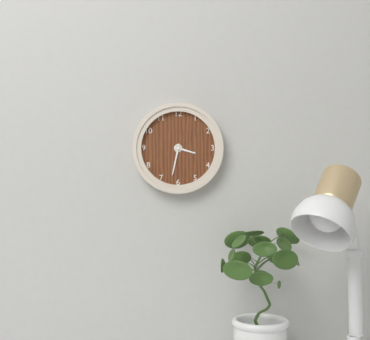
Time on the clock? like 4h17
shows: 3h32
